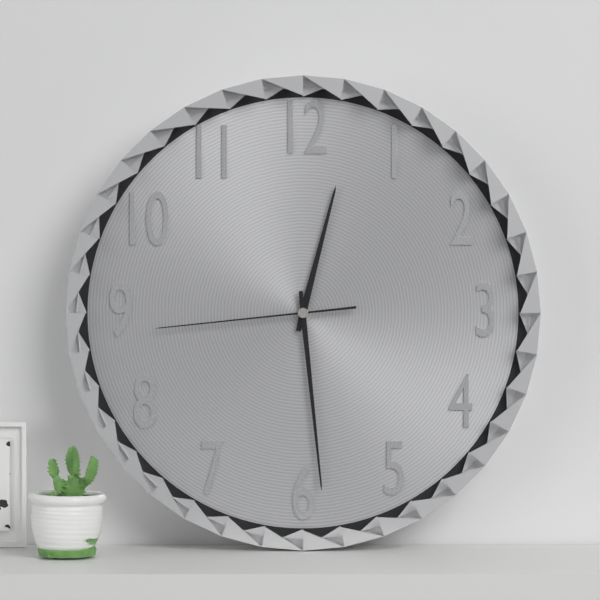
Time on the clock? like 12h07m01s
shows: 12h29m44s
